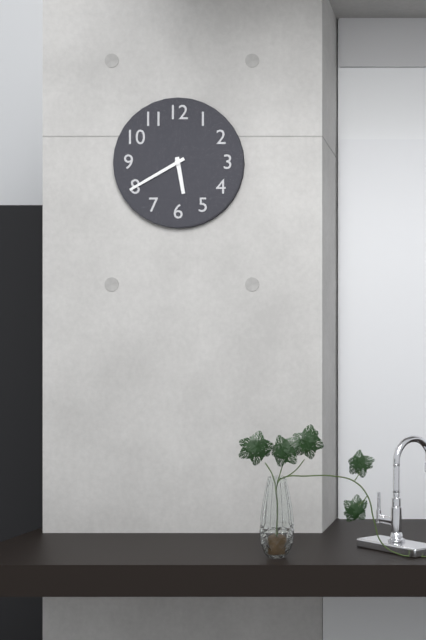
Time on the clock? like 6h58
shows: 5h40
